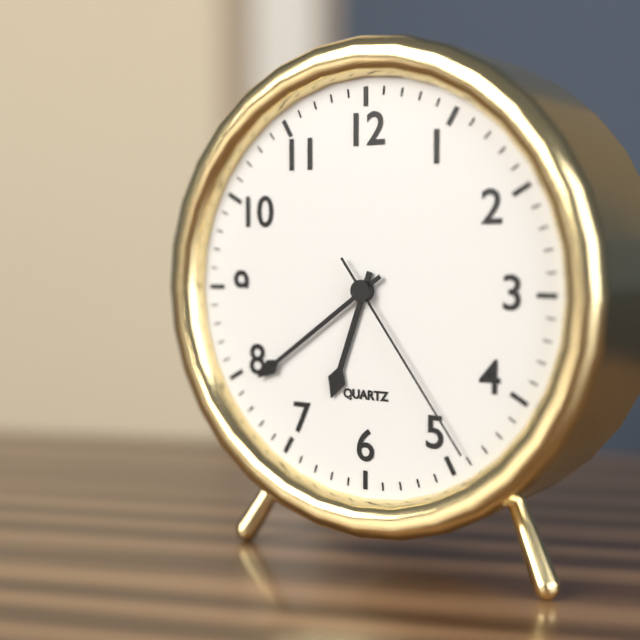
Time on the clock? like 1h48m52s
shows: 6h39m24s
